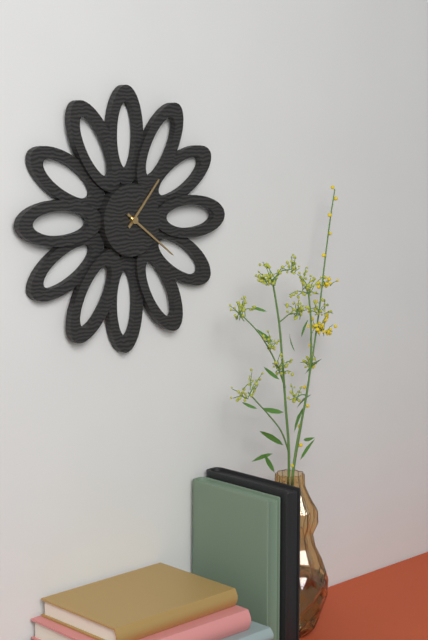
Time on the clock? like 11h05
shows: 1h21
